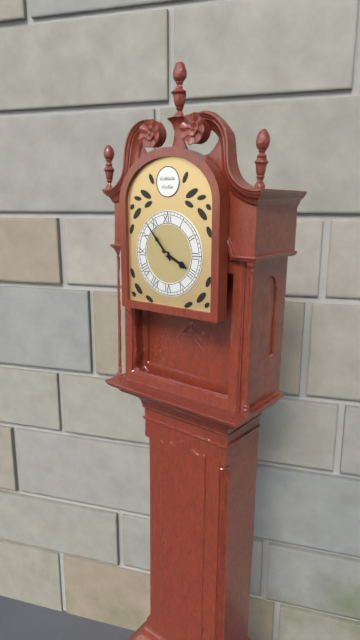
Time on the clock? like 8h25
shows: 3h53
